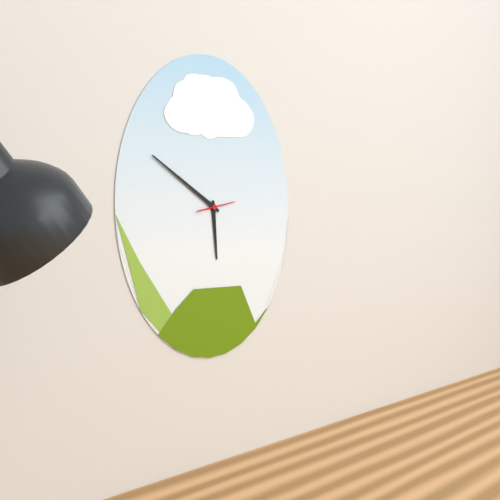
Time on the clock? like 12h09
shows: 5h50
